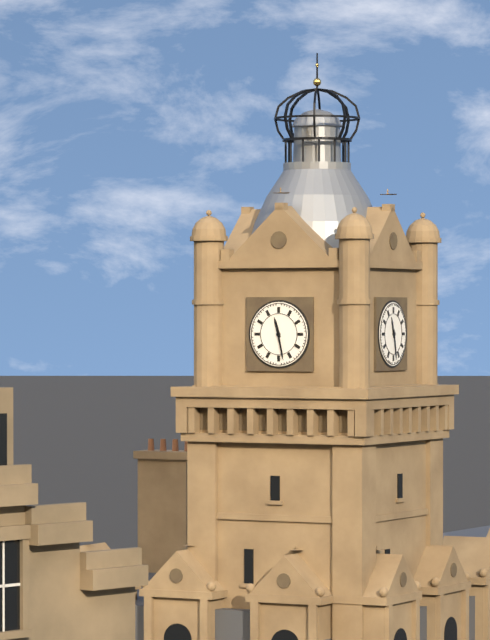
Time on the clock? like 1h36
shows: 11h28
